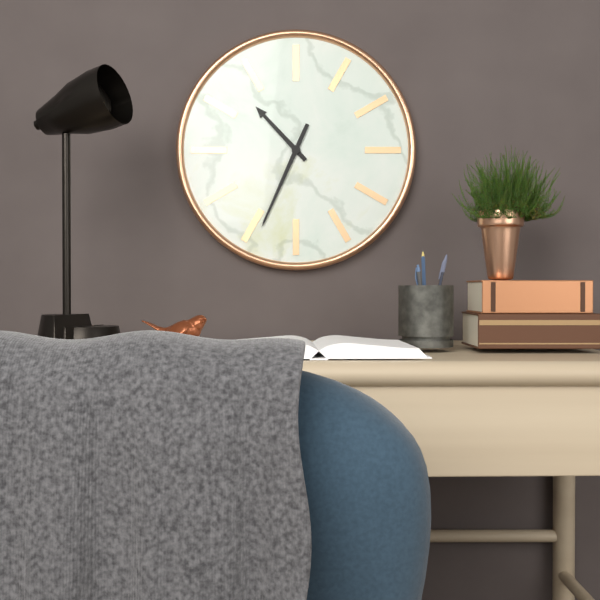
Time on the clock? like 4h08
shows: 10h34
